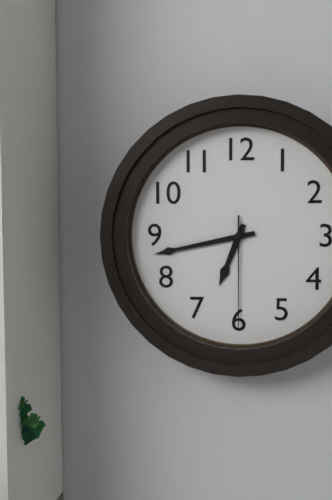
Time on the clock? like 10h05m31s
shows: 6h43m30s
